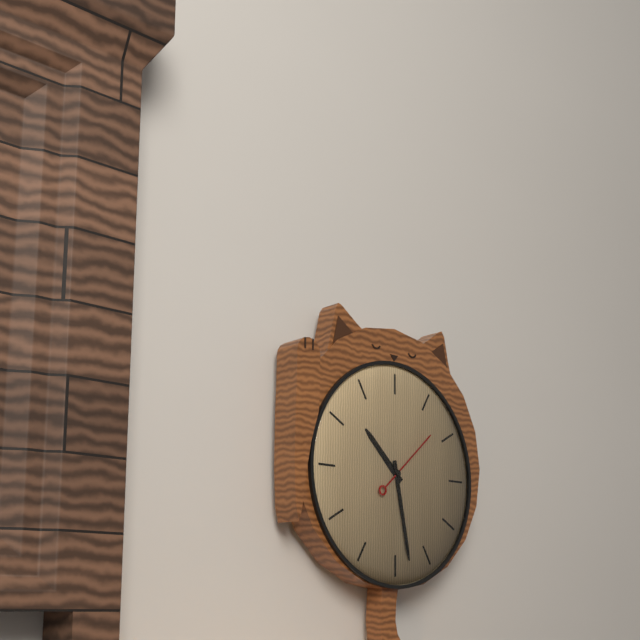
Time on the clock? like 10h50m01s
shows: 10h28m08s
